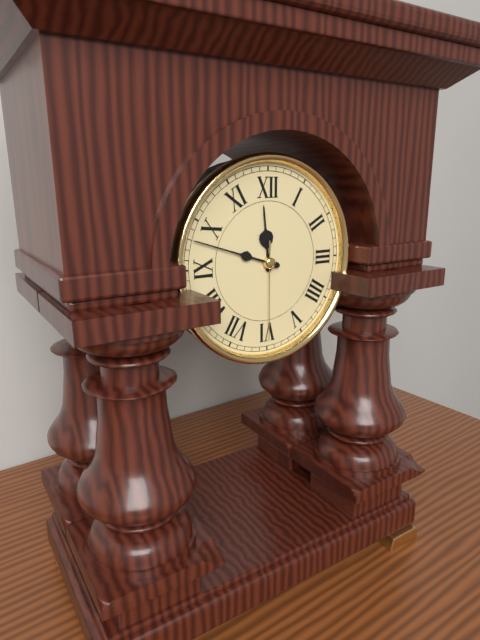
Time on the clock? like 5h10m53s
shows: 11h48m30s
